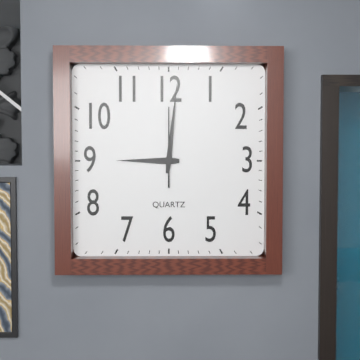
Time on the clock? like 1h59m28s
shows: 9h01m00s
